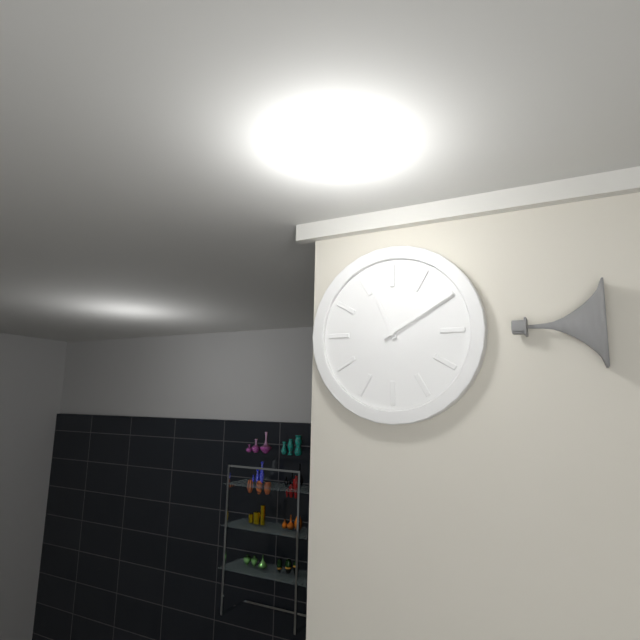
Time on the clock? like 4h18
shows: 11h10
